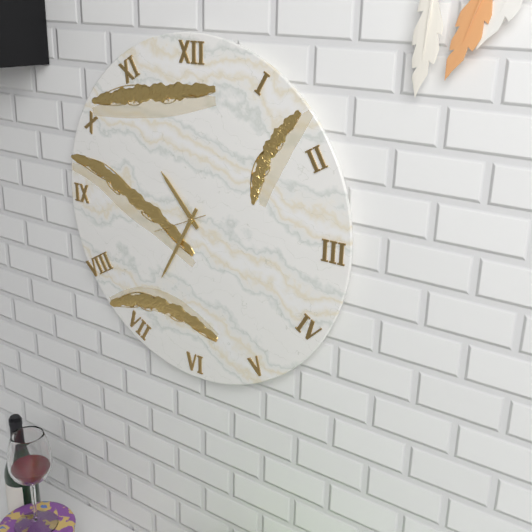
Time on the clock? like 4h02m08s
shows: 10h35m41s
